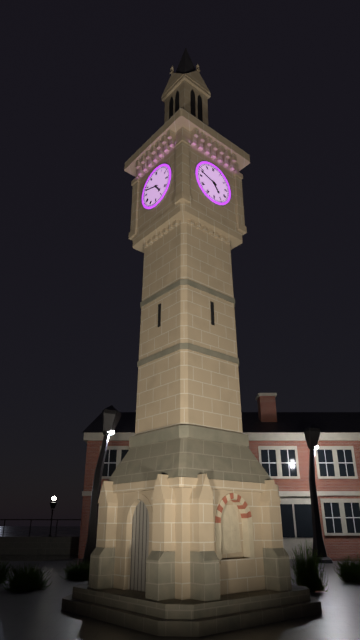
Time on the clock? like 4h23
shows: 4h48
